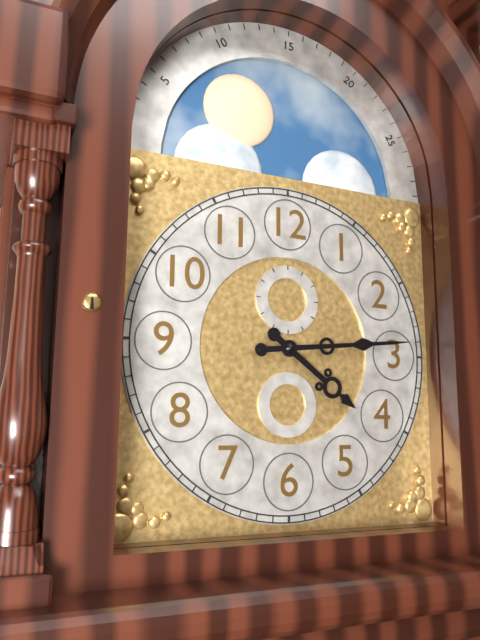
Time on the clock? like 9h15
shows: 4h14
